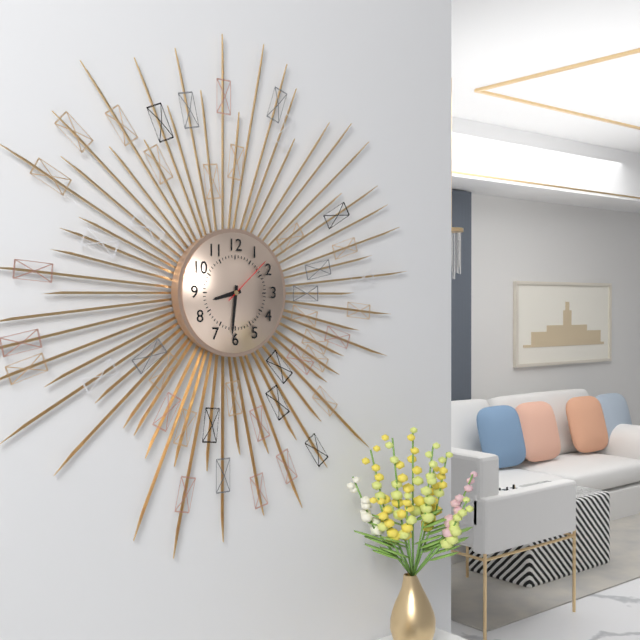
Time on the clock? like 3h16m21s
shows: 8h31m08s
